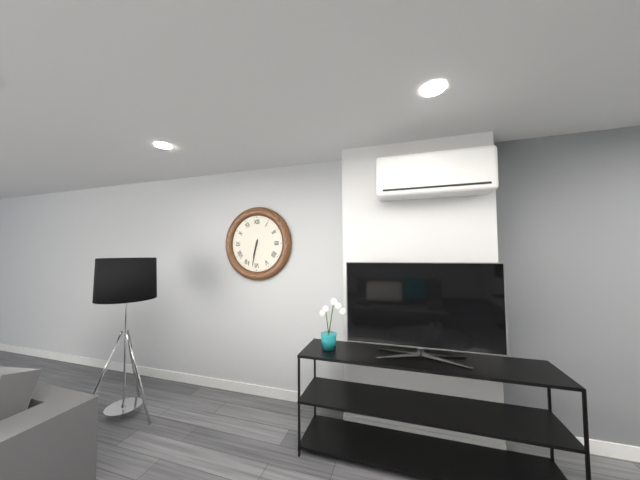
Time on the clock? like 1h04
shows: 6h32
